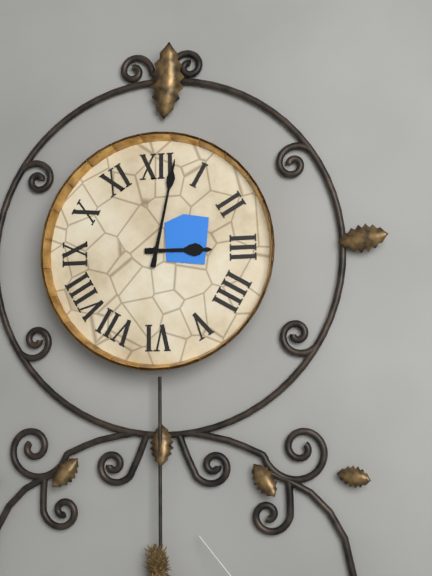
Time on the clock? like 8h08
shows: 3h02
